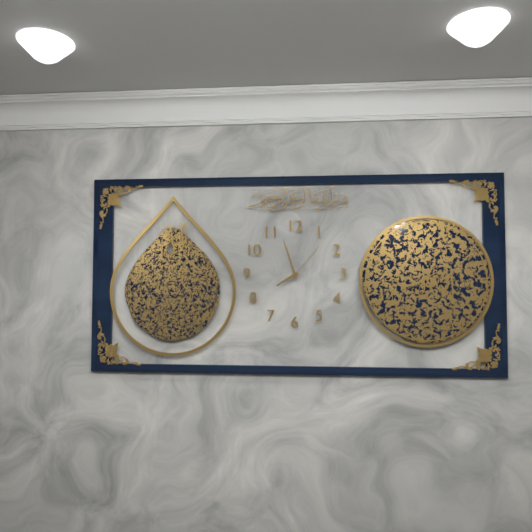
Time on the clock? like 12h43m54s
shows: 7h57m07s
